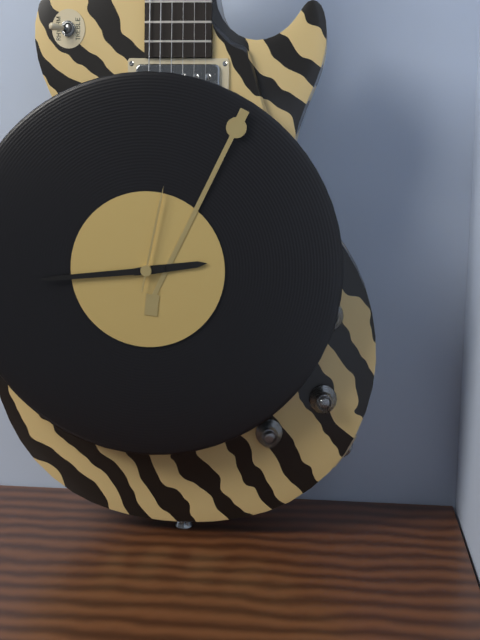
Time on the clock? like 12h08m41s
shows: 2h44m02s
